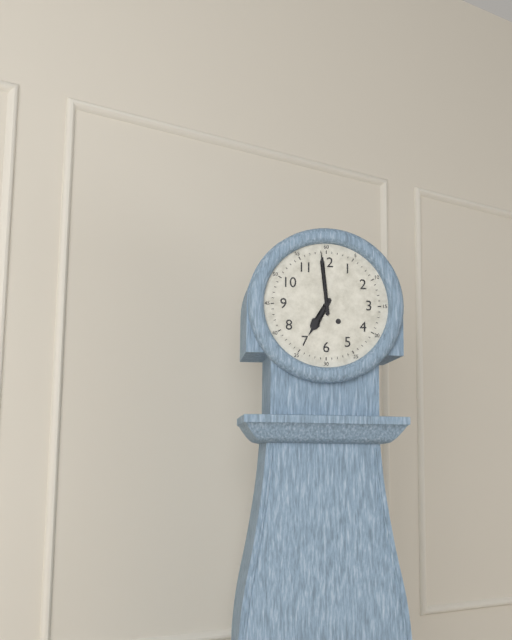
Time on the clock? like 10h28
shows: 6h59
